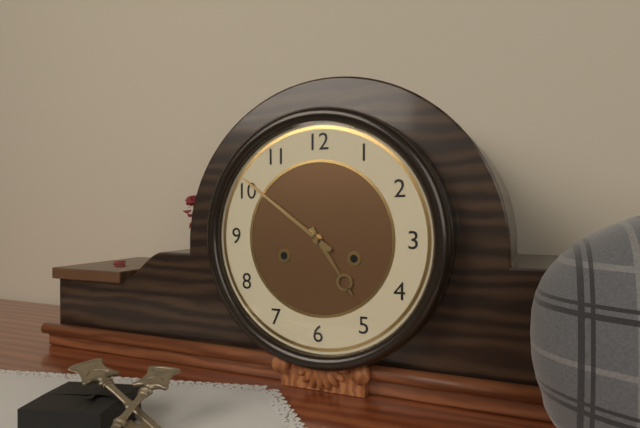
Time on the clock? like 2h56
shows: 4h51
